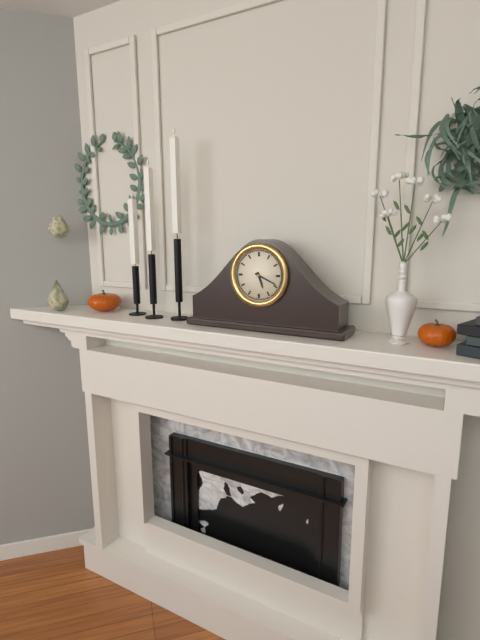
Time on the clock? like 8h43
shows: 5h19
